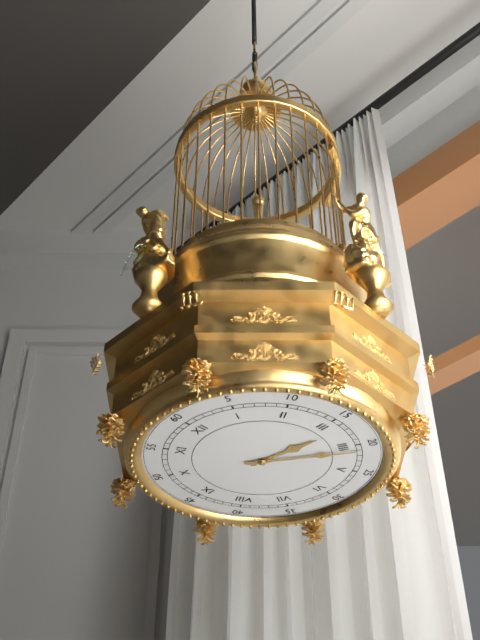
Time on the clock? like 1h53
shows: 3h21
